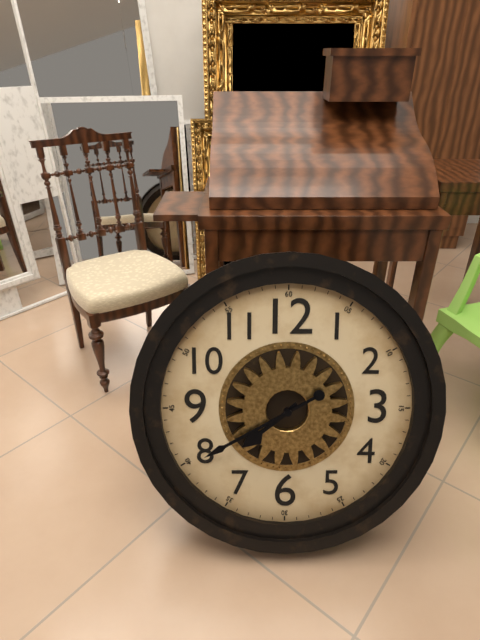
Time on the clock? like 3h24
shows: 7h40
